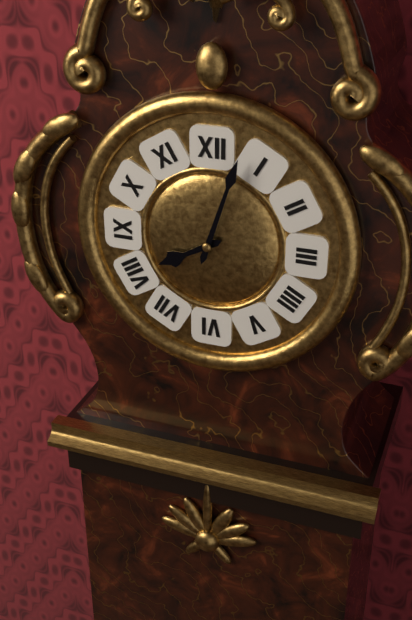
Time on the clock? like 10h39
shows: 8h03
